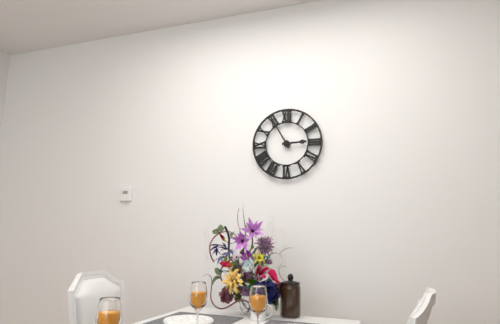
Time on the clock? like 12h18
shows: 2h55
